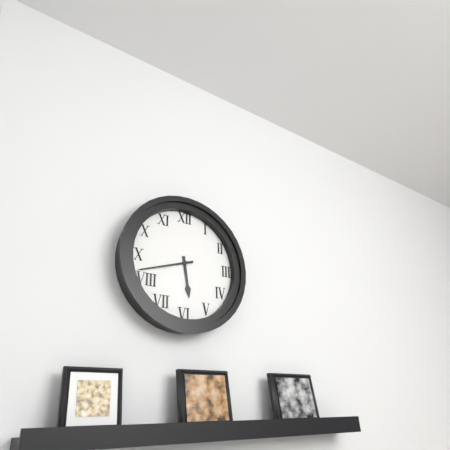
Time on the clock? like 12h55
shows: 5h42
